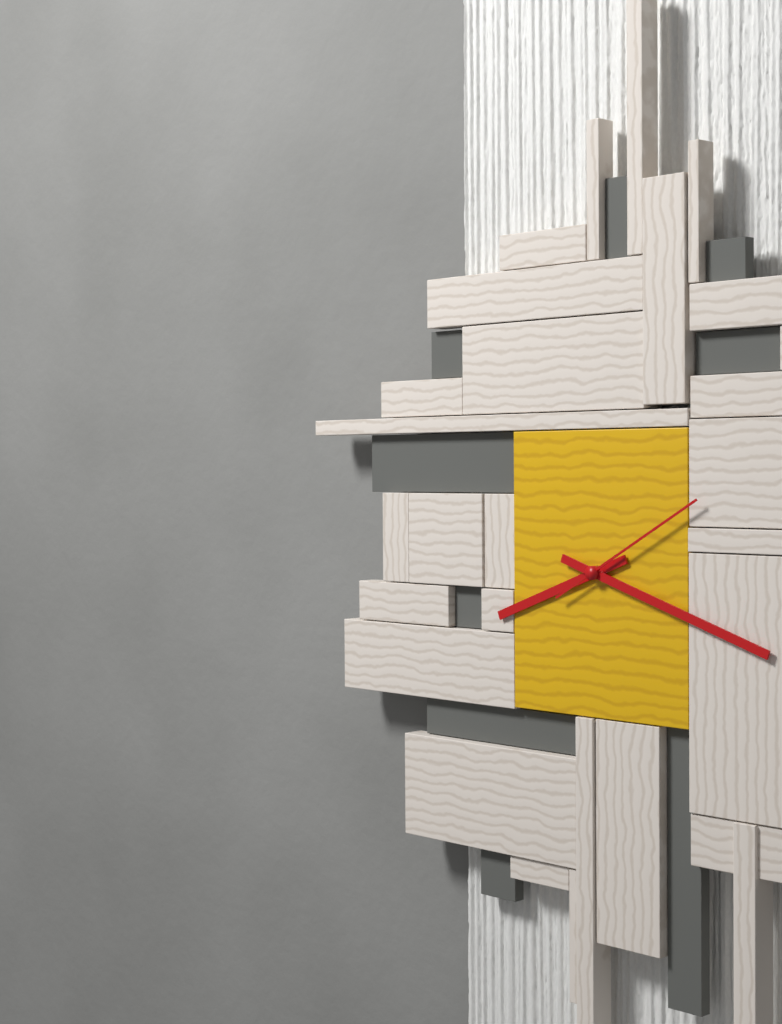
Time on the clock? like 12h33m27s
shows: 8h18m10s
